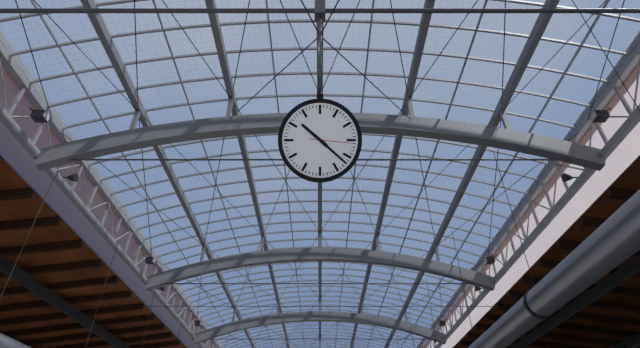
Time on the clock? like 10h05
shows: 10h22
